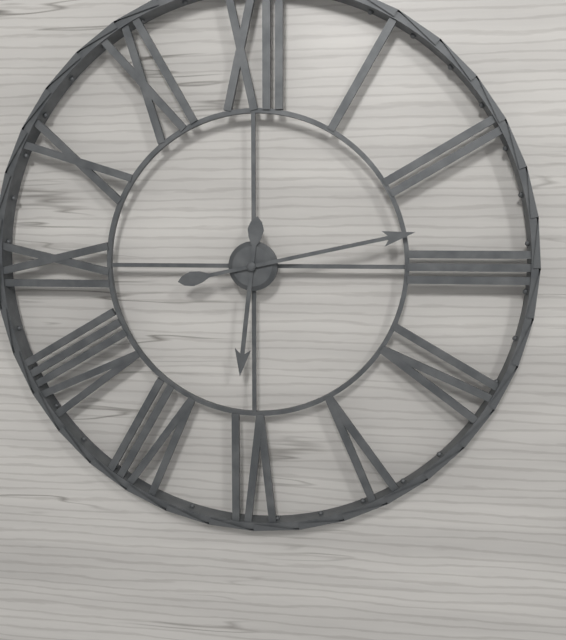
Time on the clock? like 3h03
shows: 6h13
